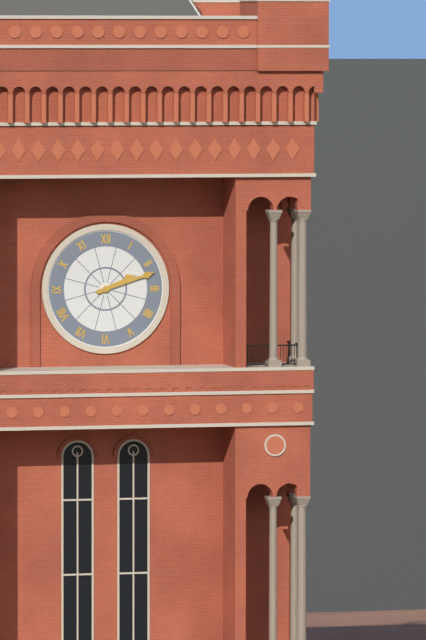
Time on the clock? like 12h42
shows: 2h12
